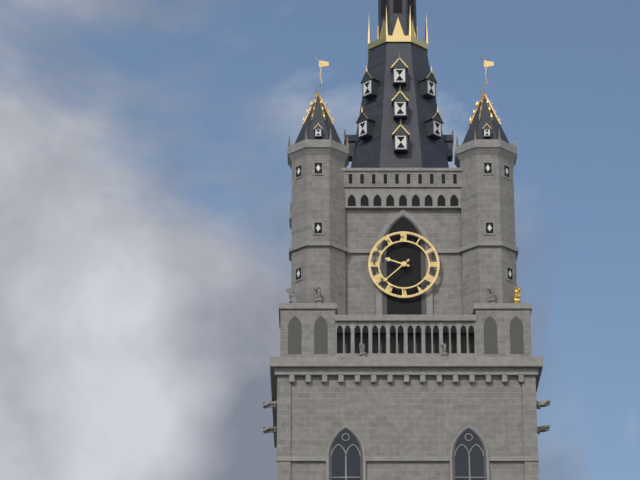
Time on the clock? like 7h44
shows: 9h38
